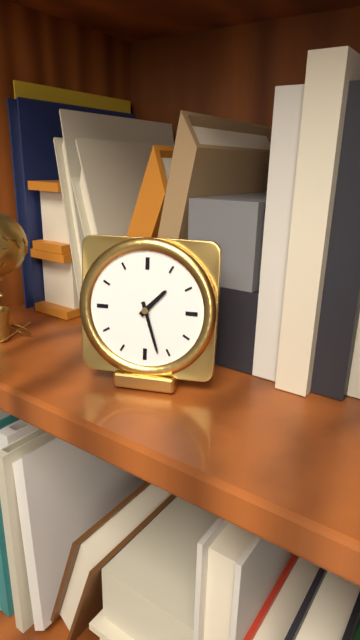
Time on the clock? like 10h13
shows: 1h27
